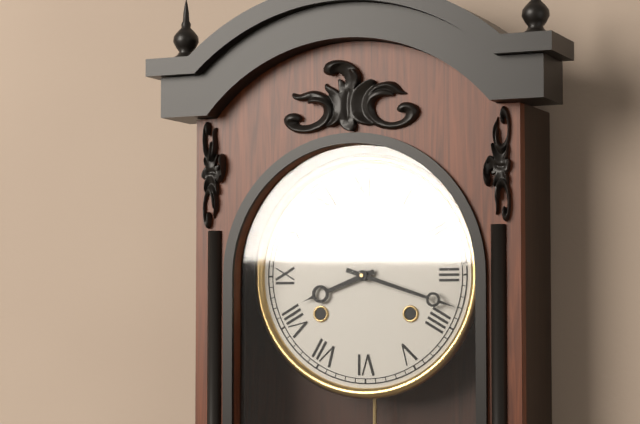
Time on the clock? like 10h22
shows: 8h18
